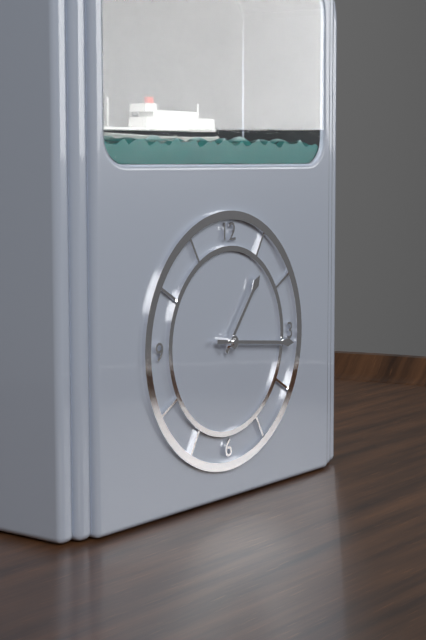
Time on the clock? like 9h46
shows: 1h16
